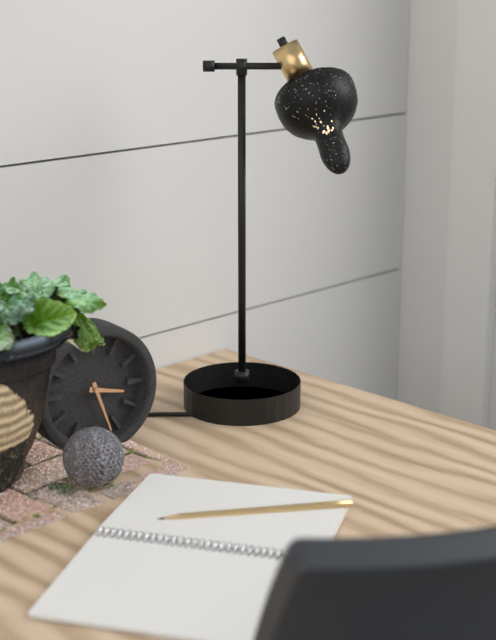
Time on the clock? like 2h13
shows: 3h27
